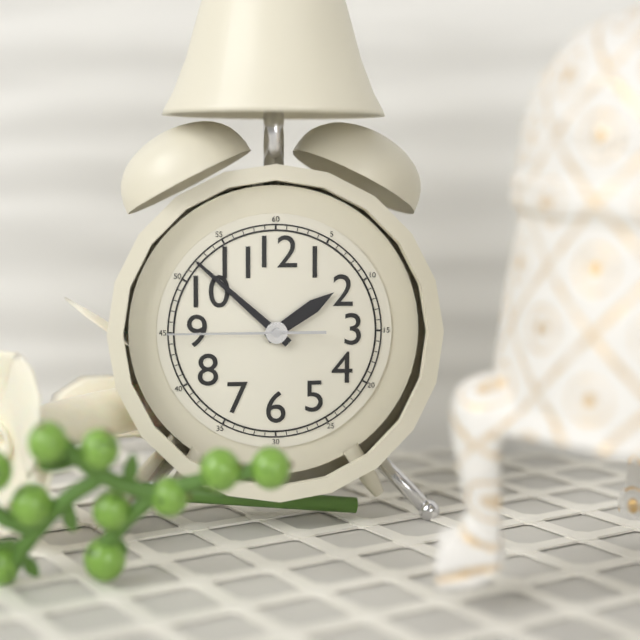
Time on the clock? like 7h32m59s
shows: 1h52m45s
